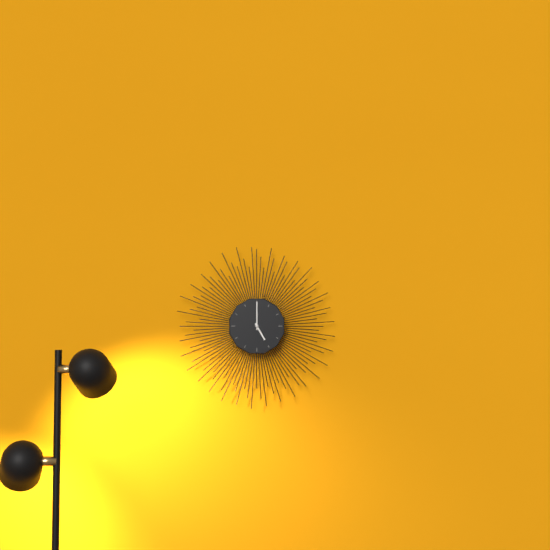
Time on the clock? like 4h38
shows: 5h00
